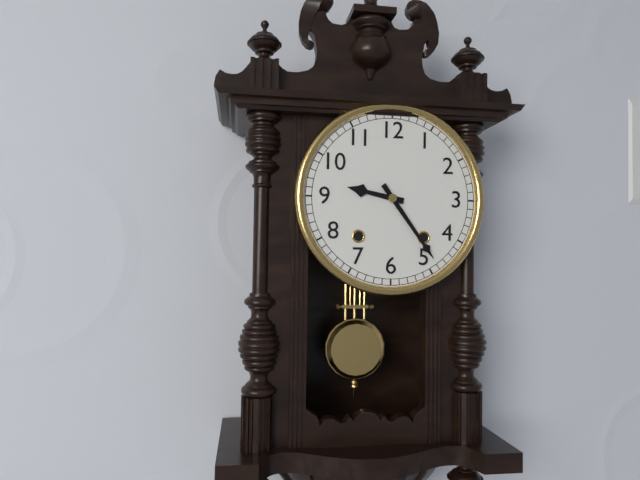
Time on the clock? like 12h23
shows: 9h24
